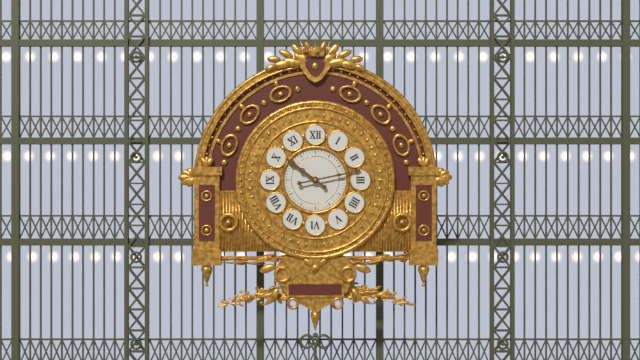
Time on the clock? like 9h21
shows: 10h13
